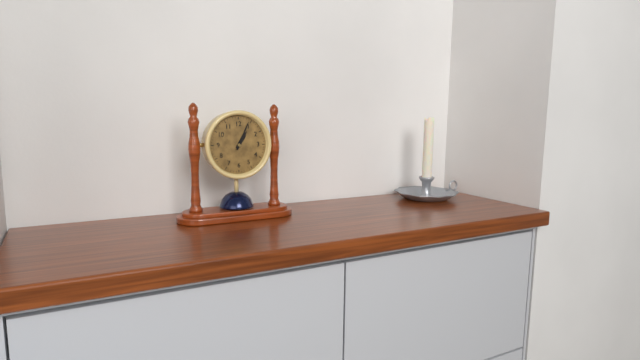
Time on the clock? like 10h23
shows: 1h04
